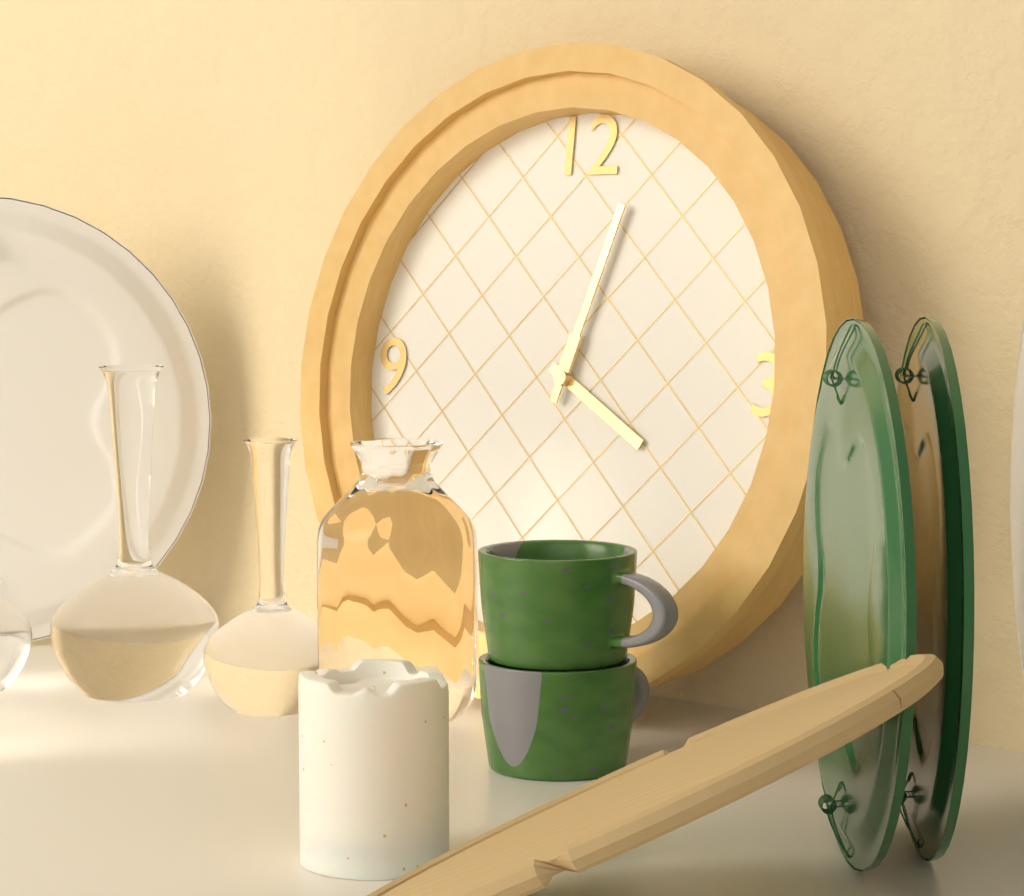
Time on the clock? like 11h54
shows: 4h03
